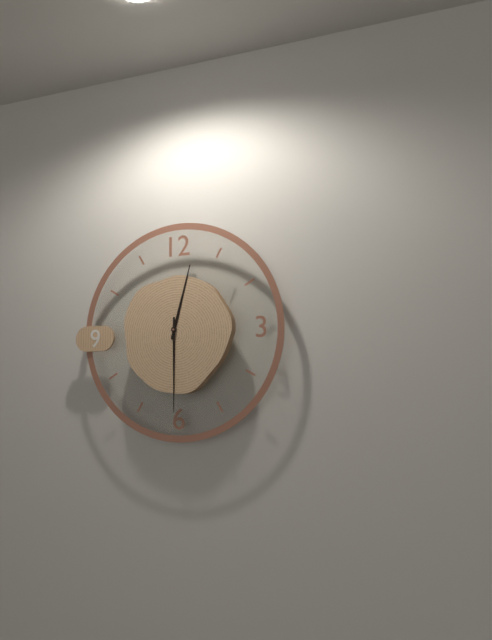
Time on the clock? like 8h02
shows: 12h30
